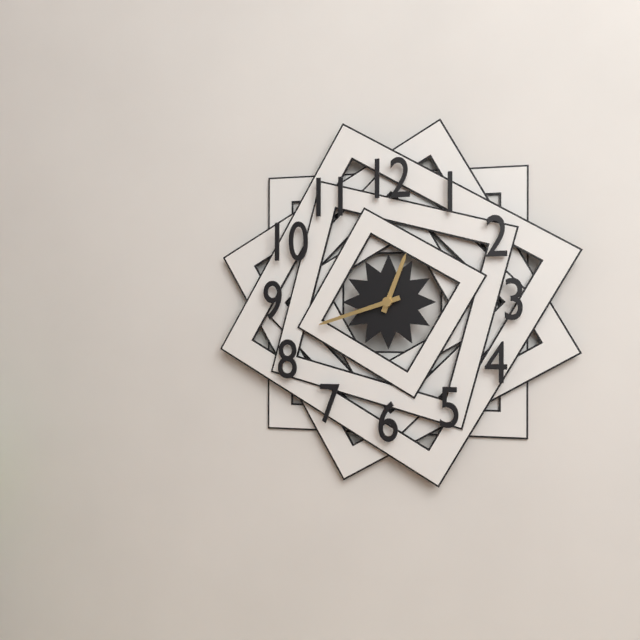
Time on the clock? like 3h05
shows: 12h42
